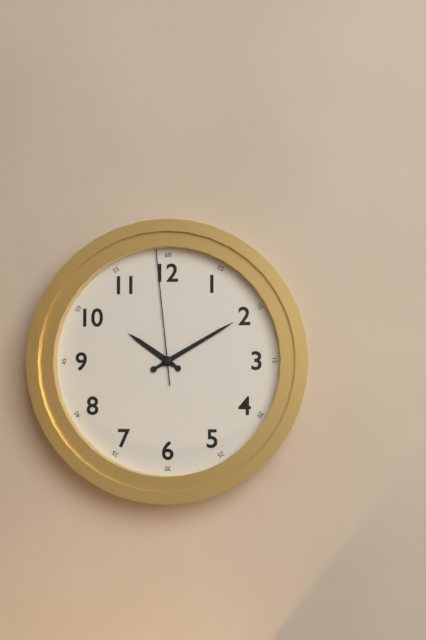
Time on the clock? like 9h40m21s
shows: 10h10m59s
